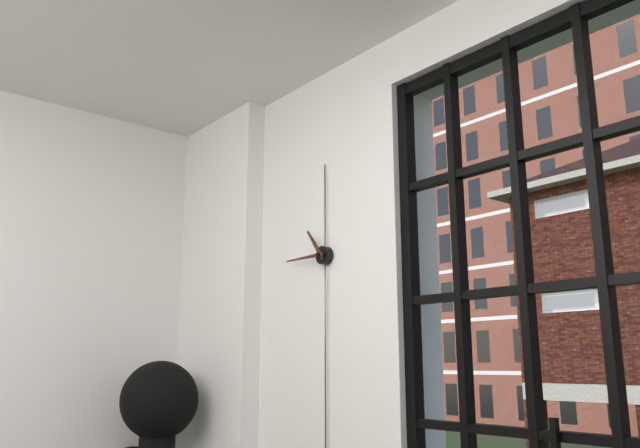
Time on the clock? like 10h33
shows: 10h45
